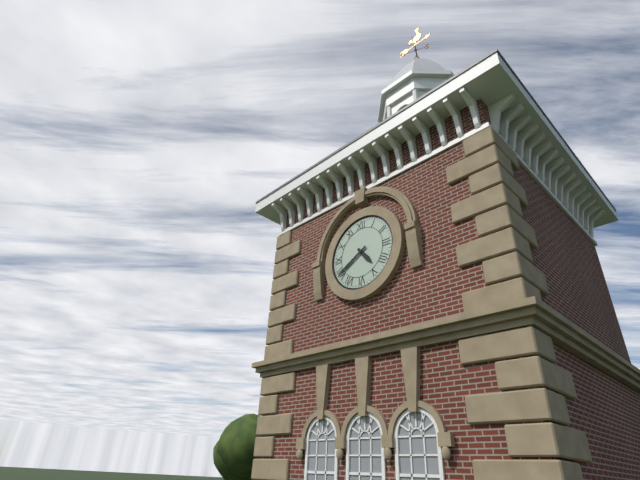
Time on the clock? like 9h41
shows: 4h40
